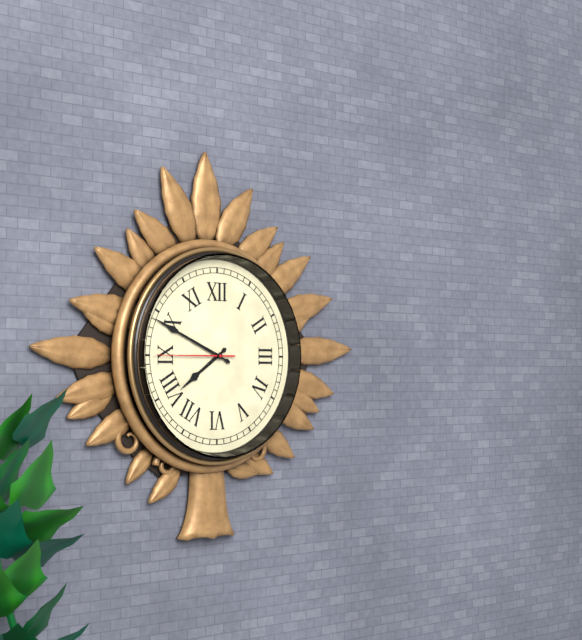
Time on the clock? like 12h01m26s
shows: 7h49m45s
